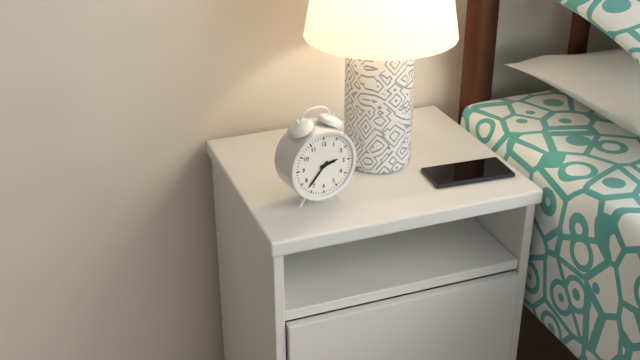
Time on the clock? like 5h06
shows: 2h37
